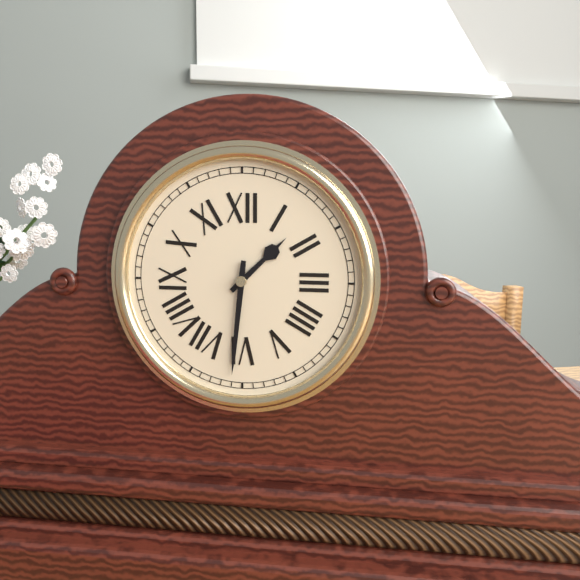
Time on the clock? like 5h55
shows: 1h31
